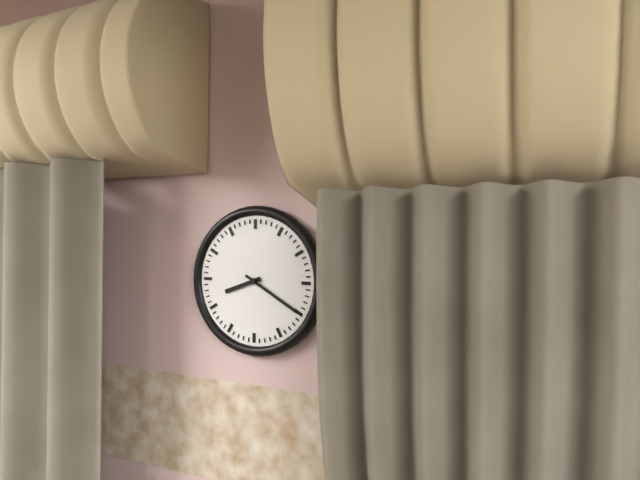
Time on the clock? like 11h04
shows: 8h20
